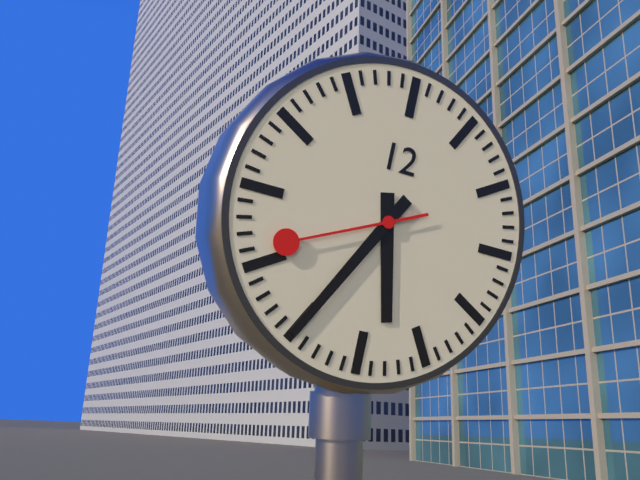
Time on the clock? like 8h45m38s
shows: 5h35m41s
